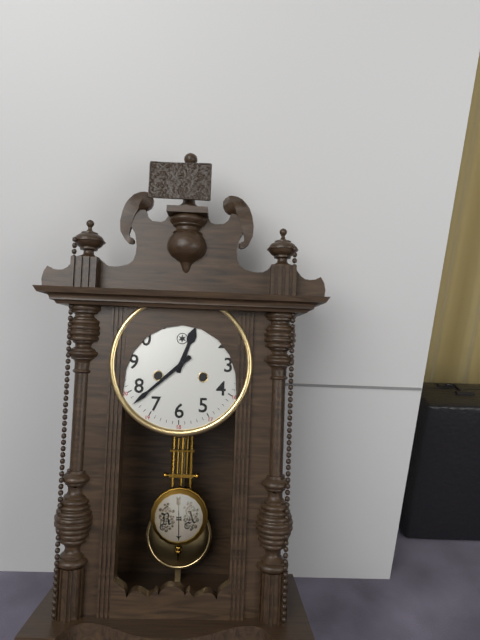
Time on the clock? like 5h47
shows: 12h38
